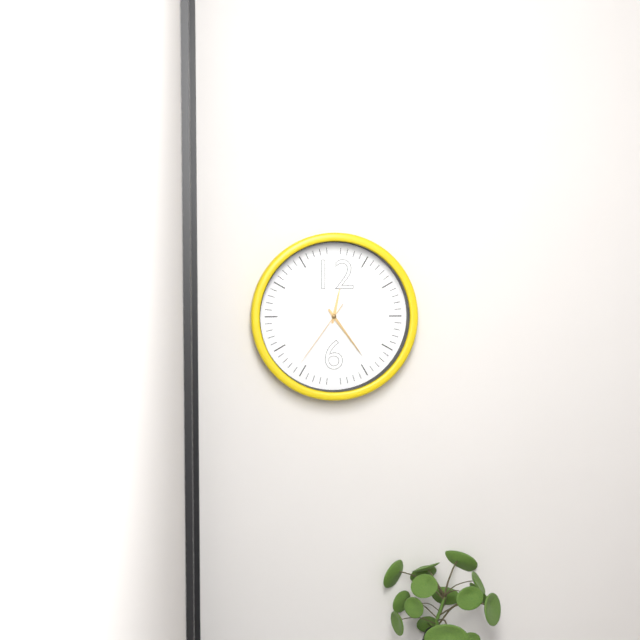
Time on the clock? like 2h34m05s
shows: 12h24m36s
